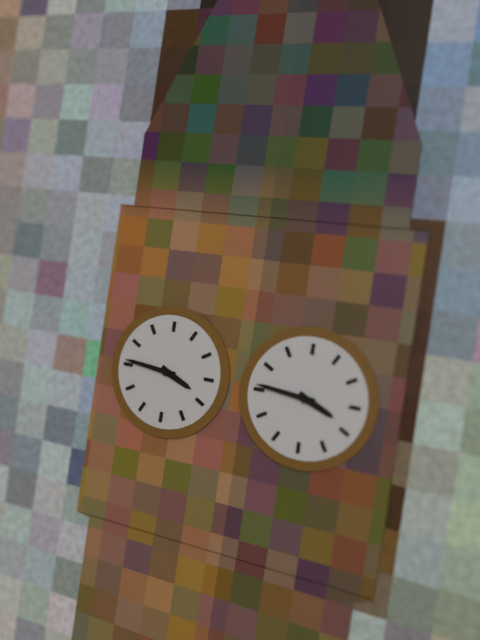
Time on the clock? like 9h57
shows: 3h46
